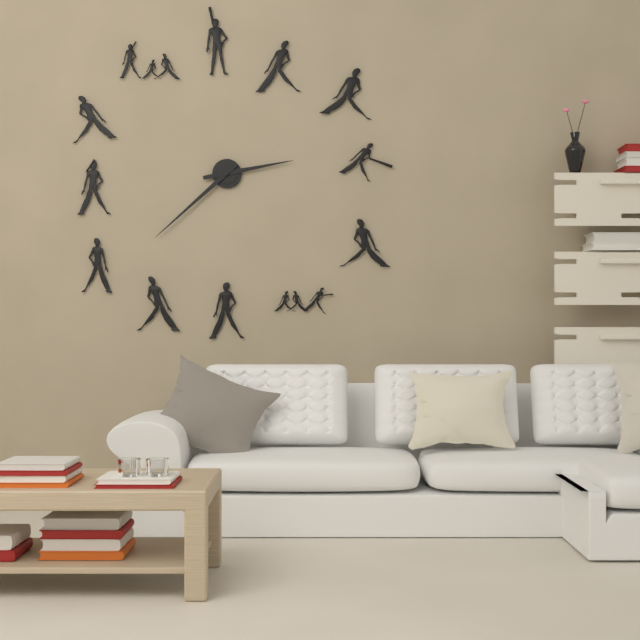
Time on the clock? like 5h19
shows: 2h38
